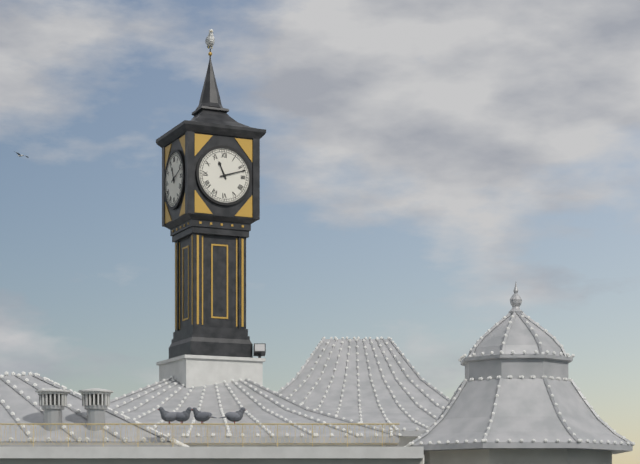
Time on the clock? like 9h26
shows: 11h12
